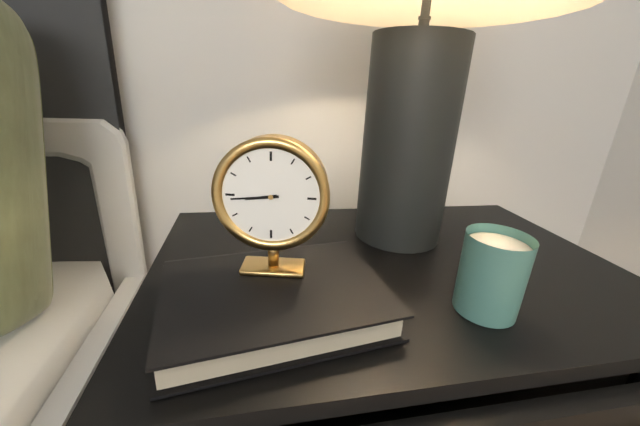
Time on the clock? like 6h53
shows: 8h44
